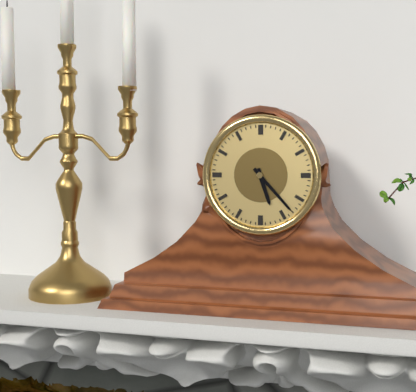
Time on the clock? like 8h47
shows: 5h23
